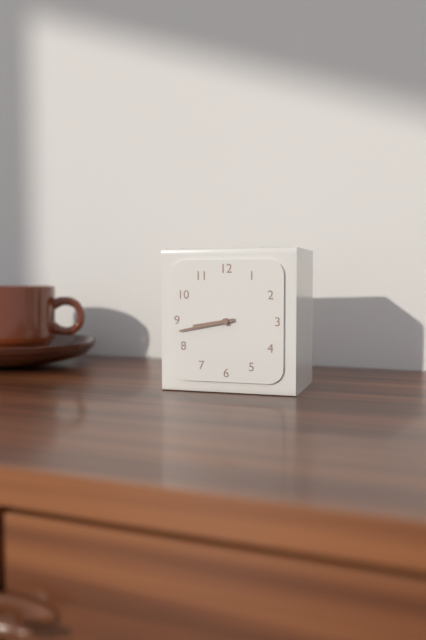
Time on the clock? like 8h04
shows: 8h43
